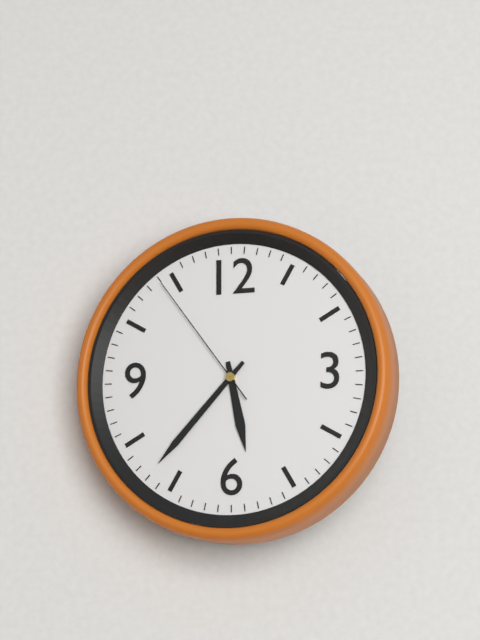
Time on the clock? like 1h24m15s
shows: 5h37m54s
